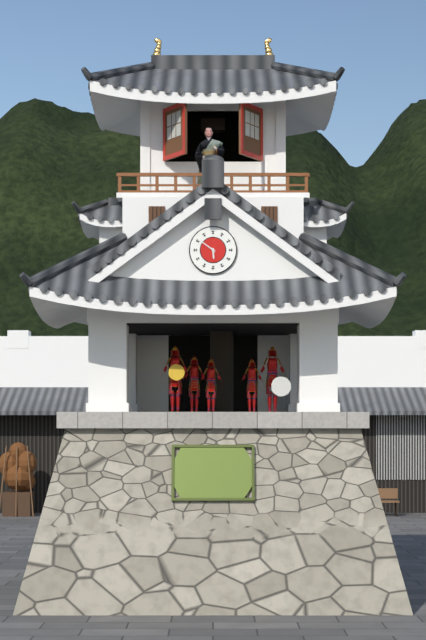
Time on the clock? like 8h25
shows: 5h51
